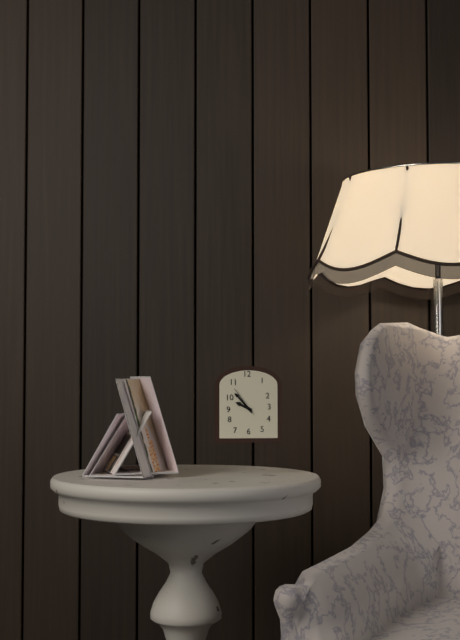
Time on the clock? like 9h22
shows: 9h53
